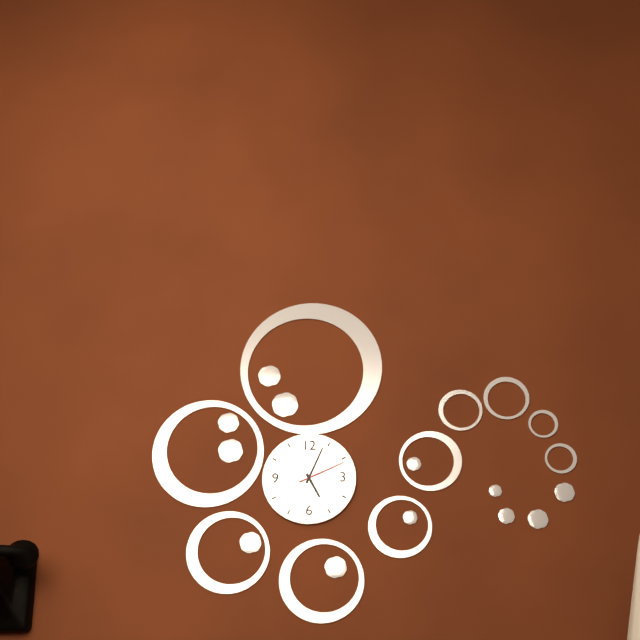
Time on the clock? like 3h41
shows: 5h04
